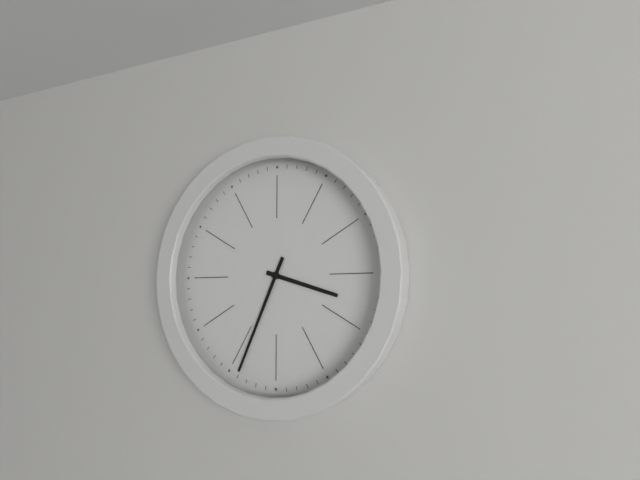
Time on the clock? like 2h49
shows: 3h34
